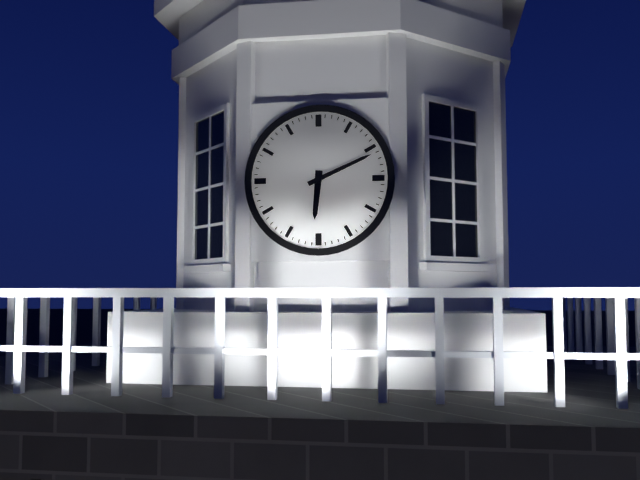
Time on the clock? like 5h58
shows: 6h11
